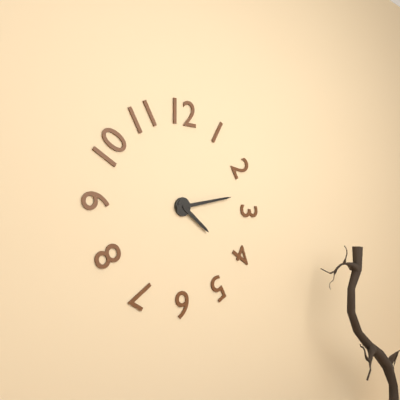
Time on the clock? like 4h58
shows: 4h13
